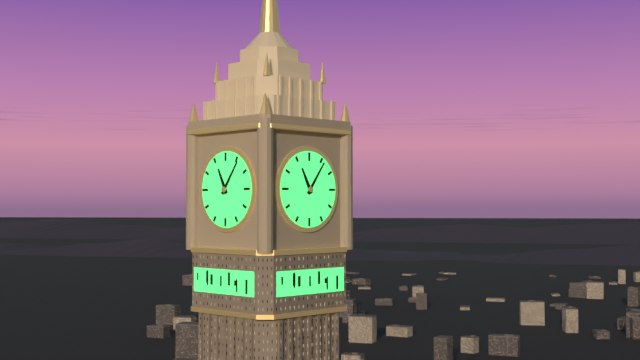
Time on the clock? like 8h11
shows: 11h06
